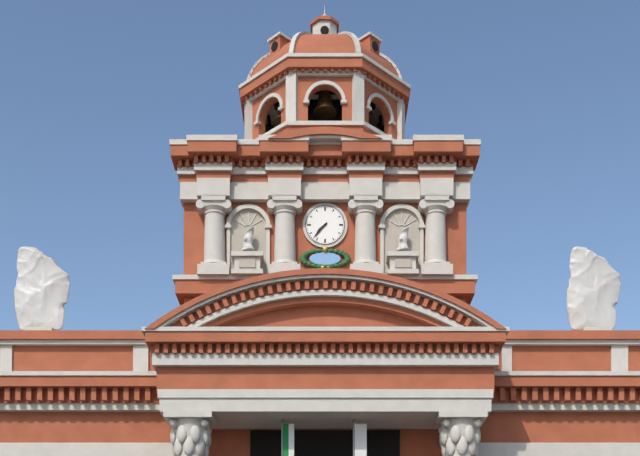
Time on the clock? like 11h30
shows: 7h37
